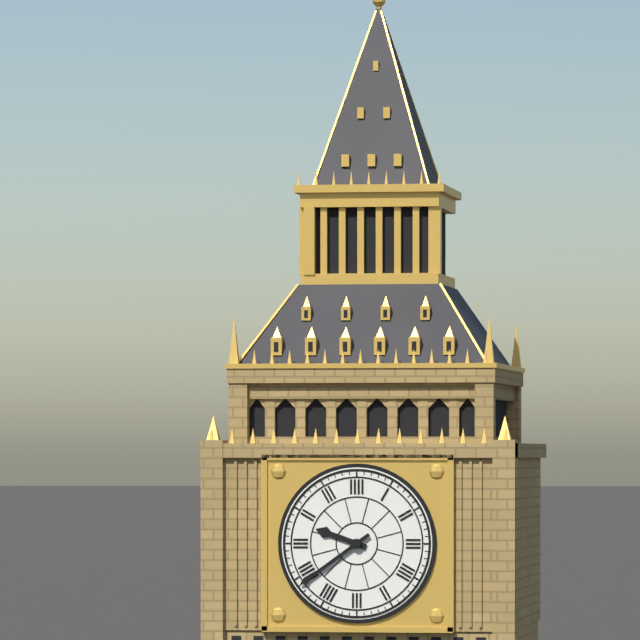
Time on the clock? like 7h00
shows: 9h39
